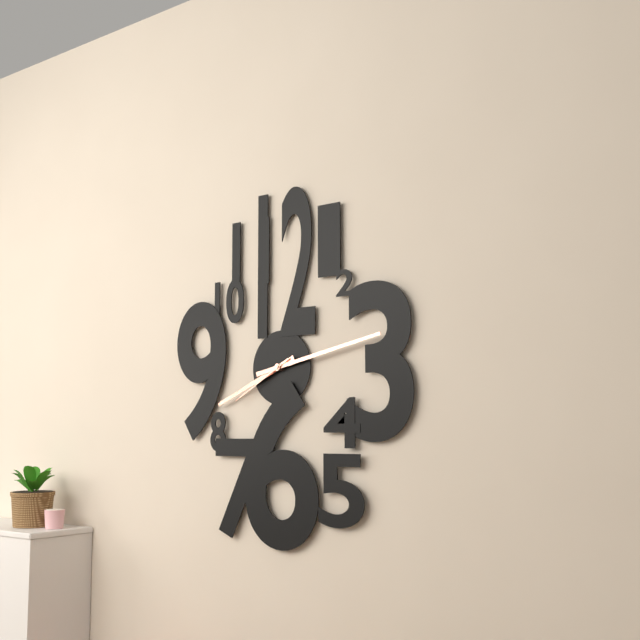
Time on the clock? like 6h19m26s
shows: 8h13m40s
